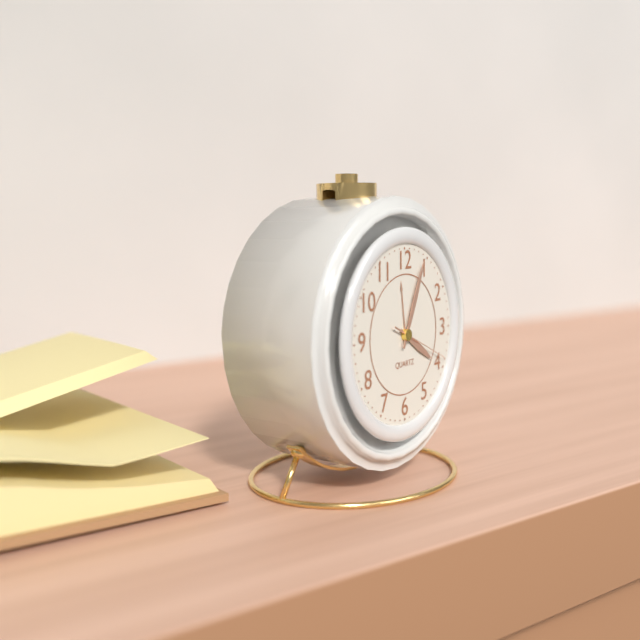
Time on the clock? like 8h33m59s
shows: 4h04m19s
